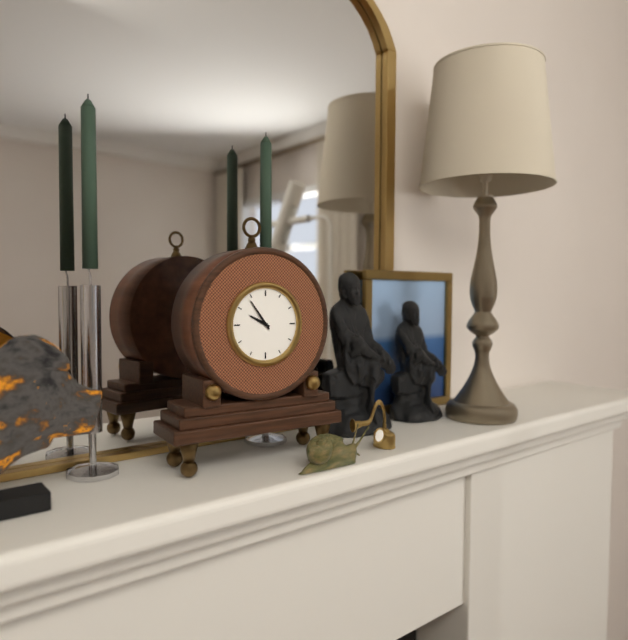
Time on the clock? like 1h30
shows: 9h54
